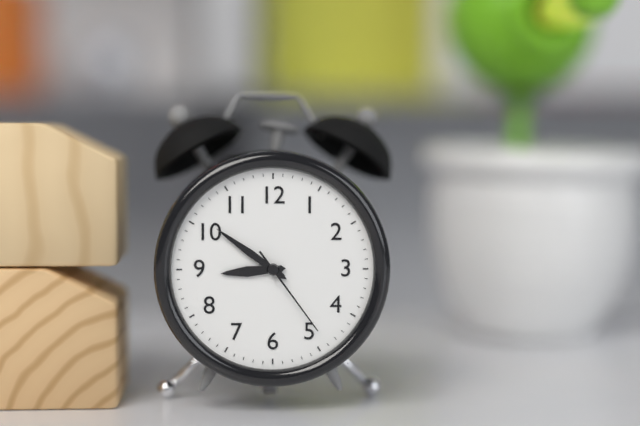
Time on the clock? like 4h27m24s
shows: 8h51m24s
